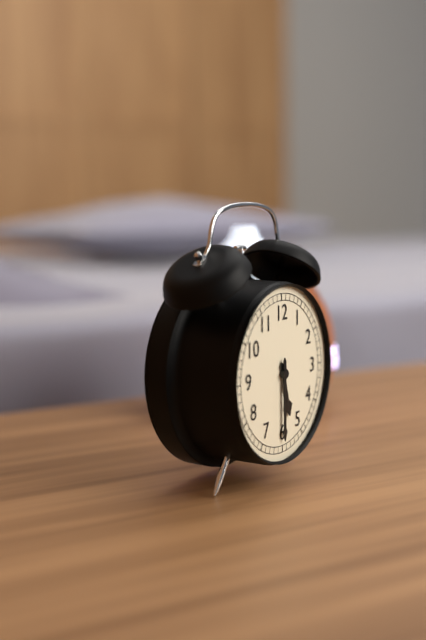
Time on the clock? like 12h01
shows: 5h30
